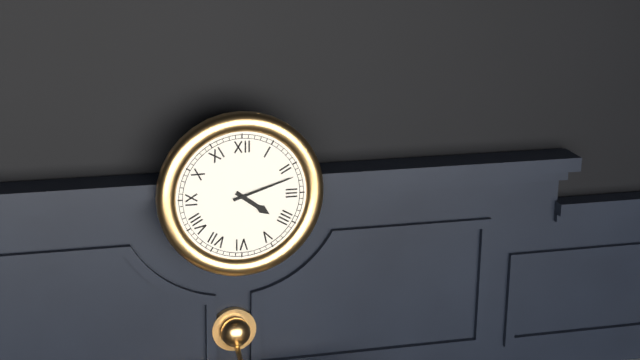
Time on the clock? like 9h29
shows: 4h12
